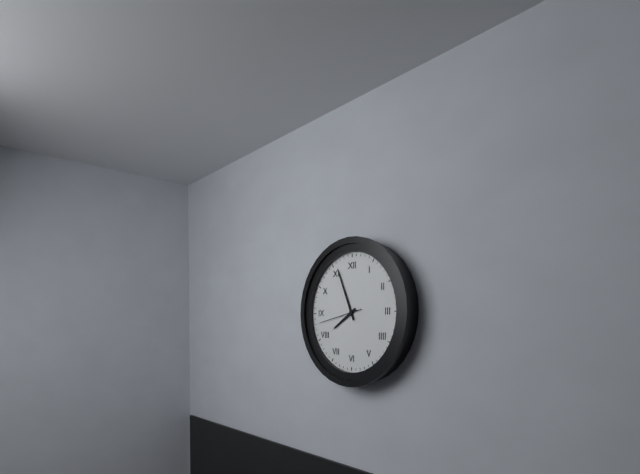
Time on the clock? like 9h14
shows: 7h56
